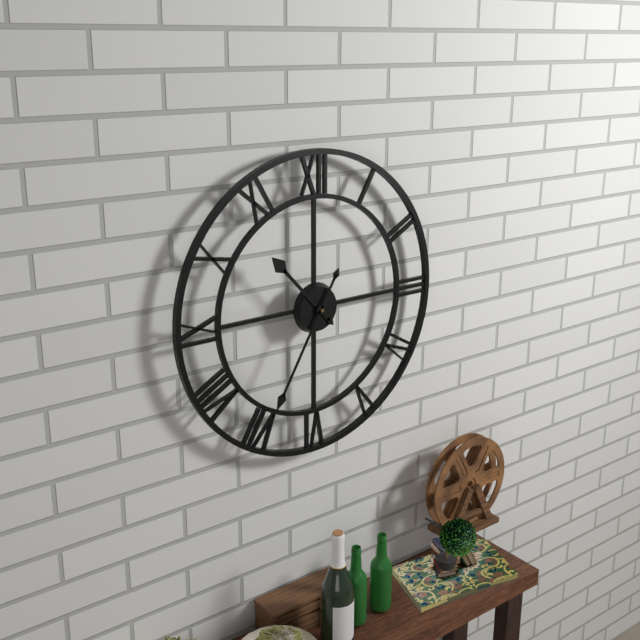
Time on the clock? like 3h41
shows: 10h35
